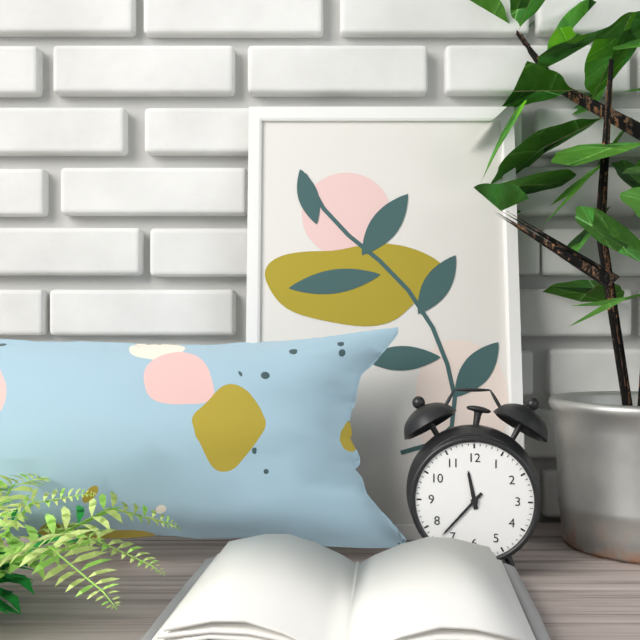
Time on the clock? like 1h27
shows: 11h37
